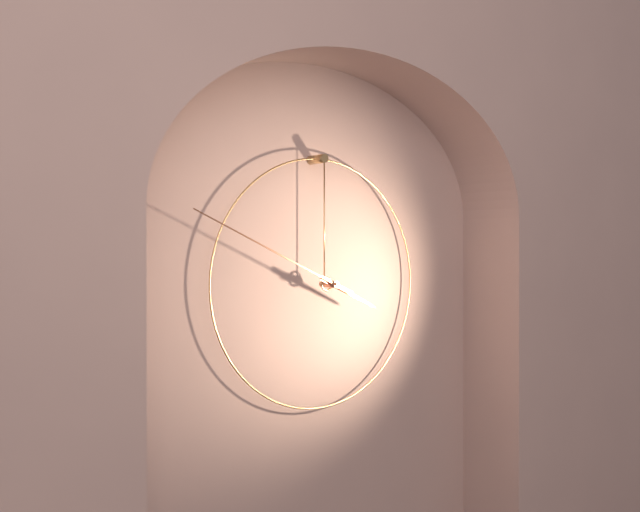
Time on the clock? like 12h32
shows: 3h49
